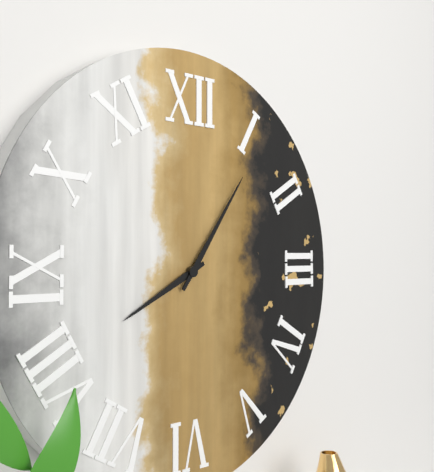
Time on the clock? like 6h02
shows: 8h06
